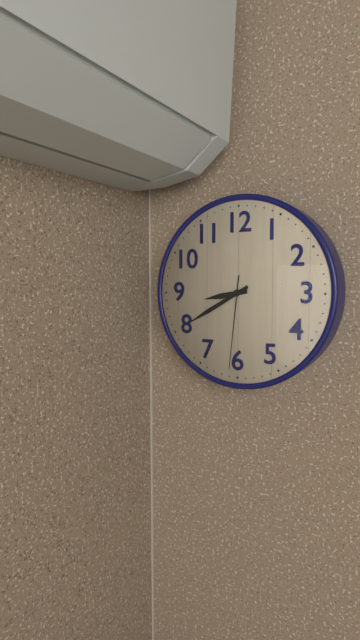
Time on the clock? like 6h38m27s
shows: 8h40m31s
